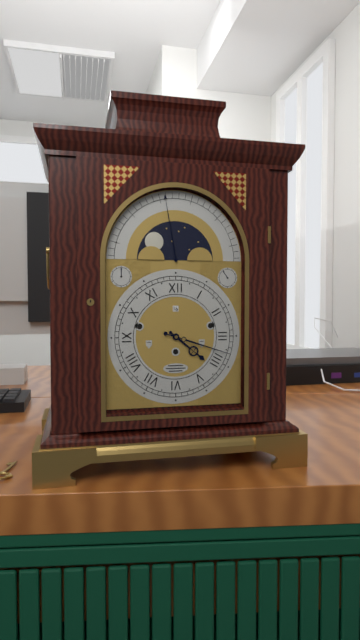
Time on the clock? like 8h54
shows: 4h18
